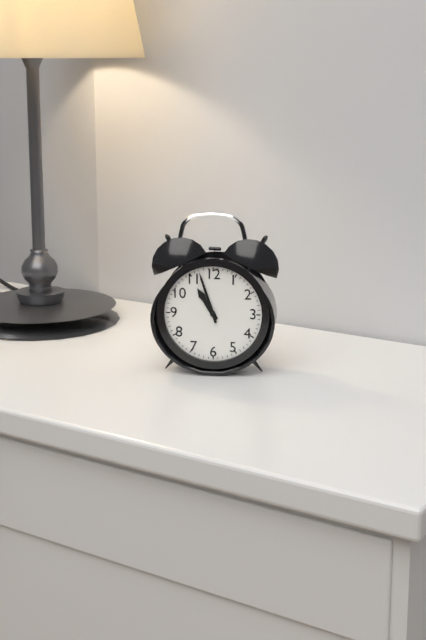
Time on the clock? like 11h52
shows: 10h57
